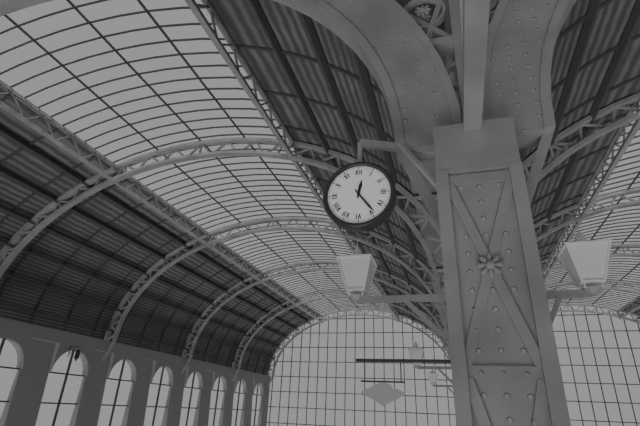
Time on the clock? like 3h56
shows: 12h24
